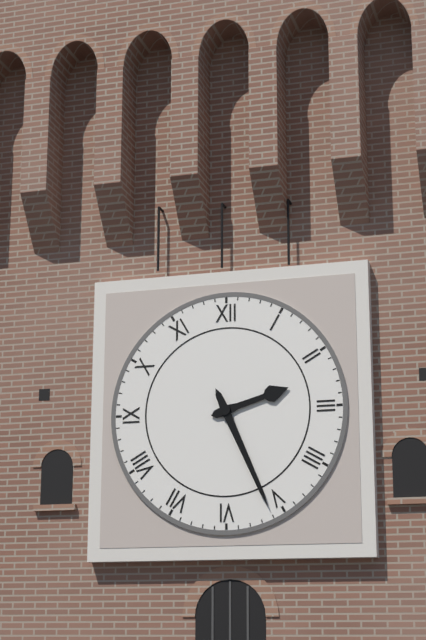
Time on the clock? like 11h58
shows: 2h26
